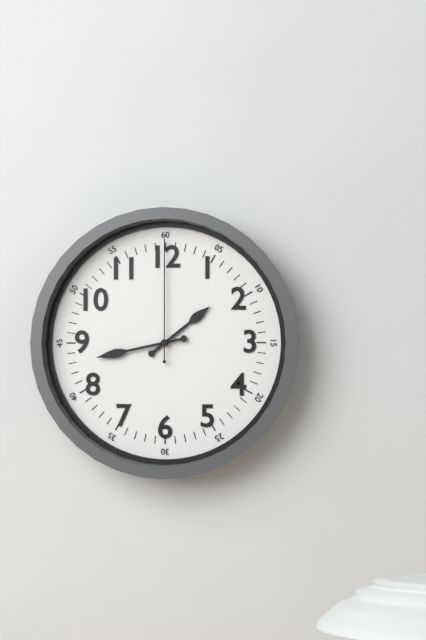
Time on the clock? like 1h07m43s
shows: 1h43m00s
